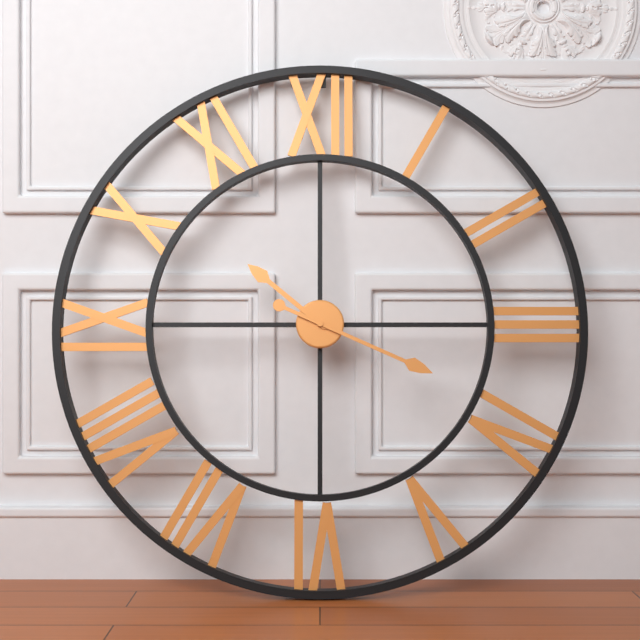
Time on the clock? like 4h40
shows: 10h19
